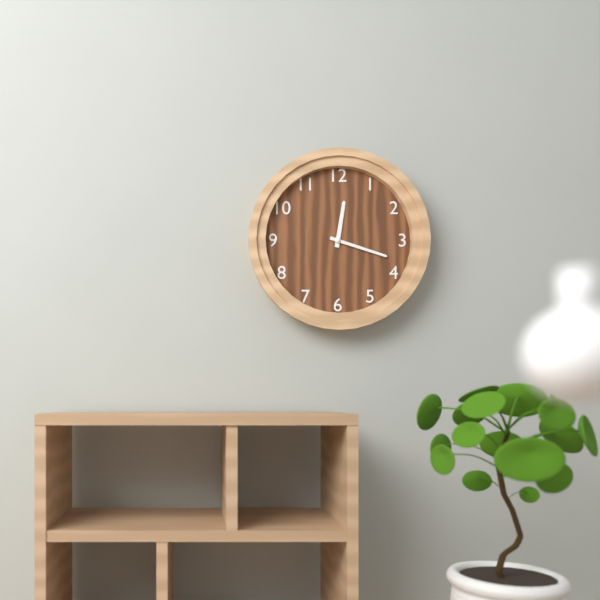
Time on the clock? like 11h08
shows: 12h18
